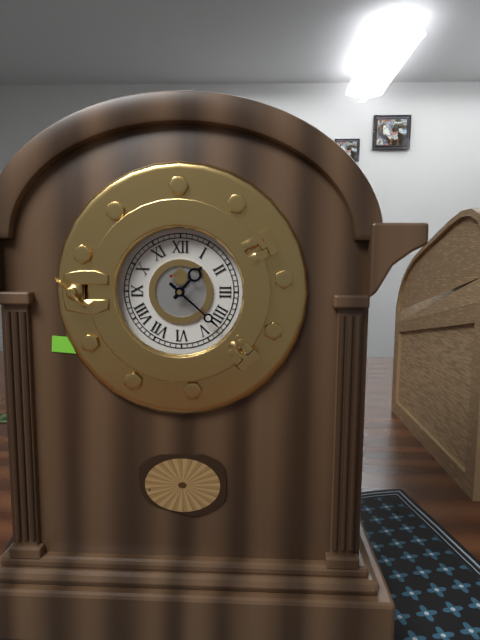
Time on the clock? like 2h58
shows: 1h22
